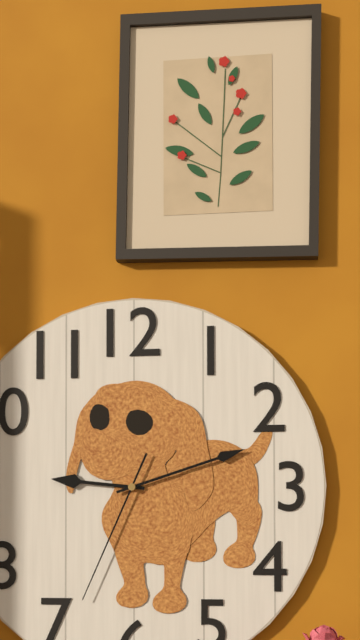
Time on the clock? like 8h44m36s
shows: 9h12m34s
